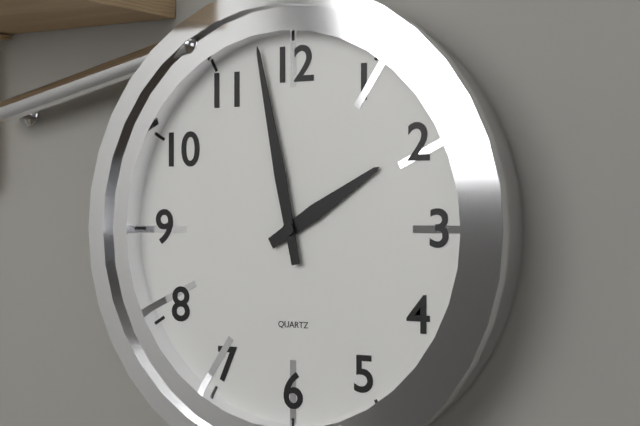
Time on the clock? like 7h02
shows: 1h58
